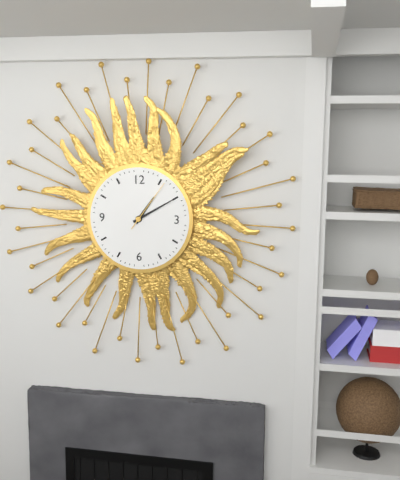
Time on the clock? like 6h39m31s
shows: 1h10m06s
